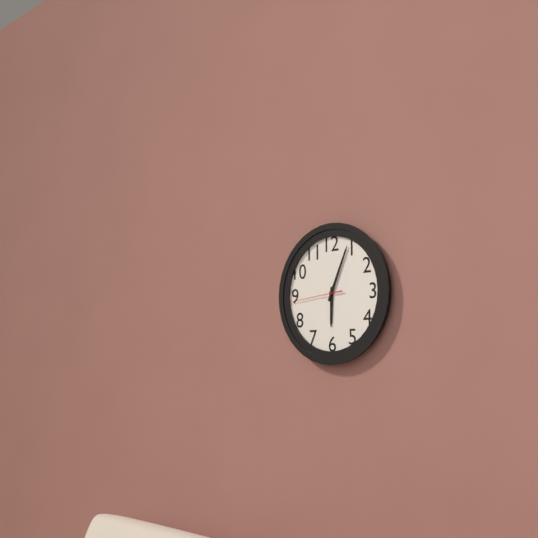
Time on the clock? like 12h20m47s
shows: 6h04m44s
